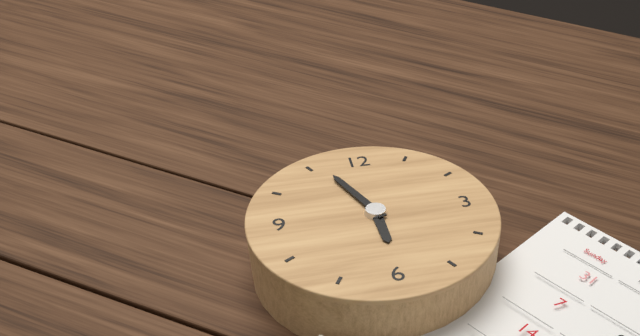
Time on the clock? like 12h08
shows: 5h56
